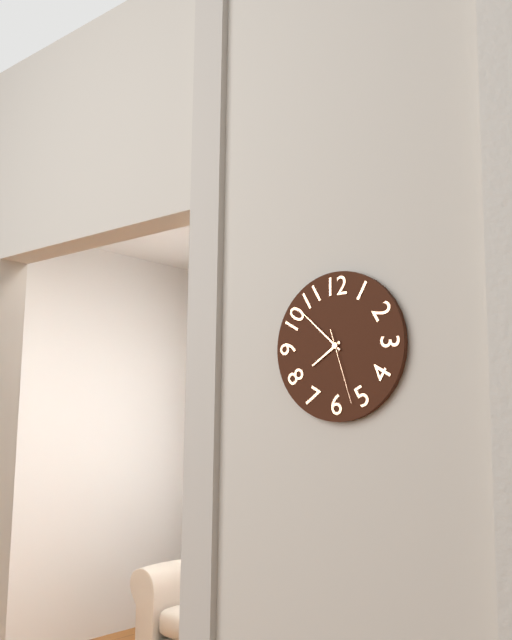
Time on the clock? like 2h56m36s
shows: 7h52m27s
